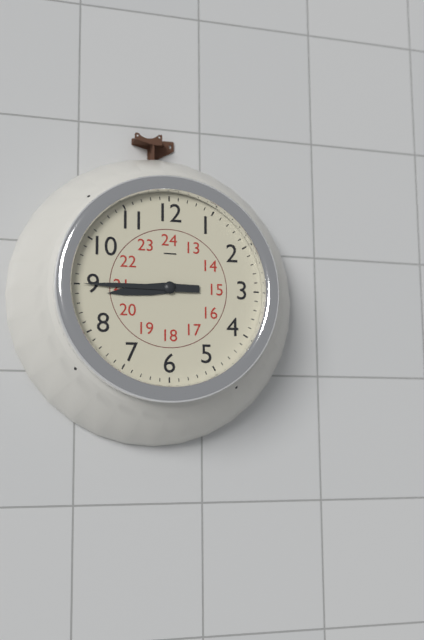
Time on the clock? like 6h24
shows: 8h45
